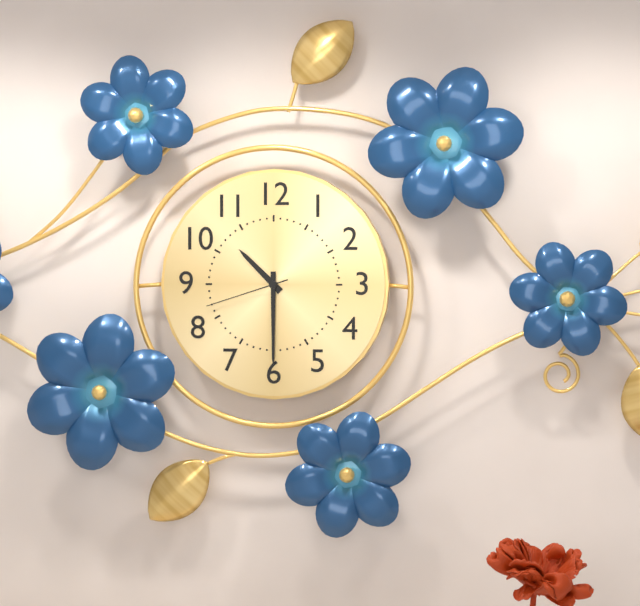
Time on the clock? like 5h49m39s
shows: 10h30m42s
